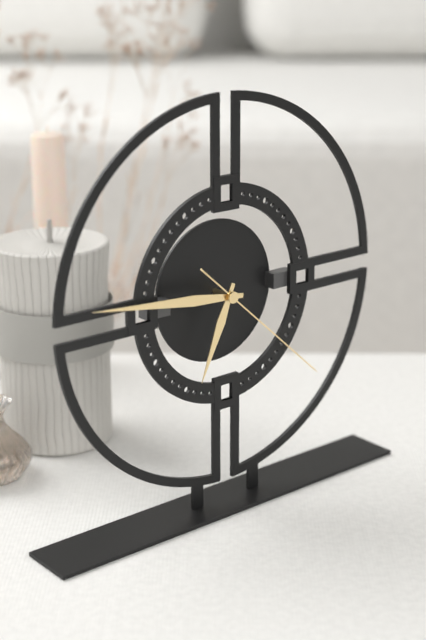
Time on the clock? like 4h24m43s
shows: 6h46m22s
